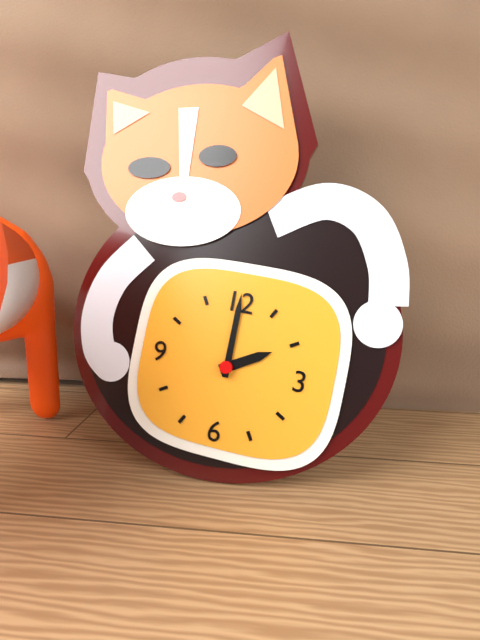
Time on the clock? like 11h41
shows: 2h00
